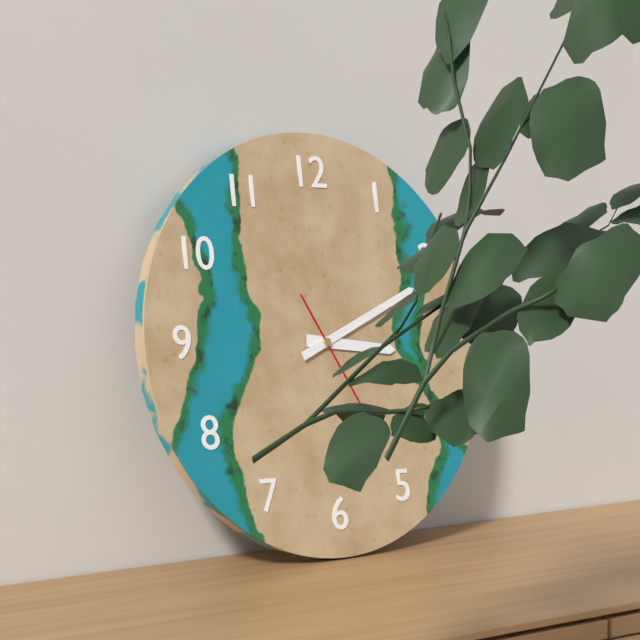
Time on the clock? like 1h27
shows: 3h11
